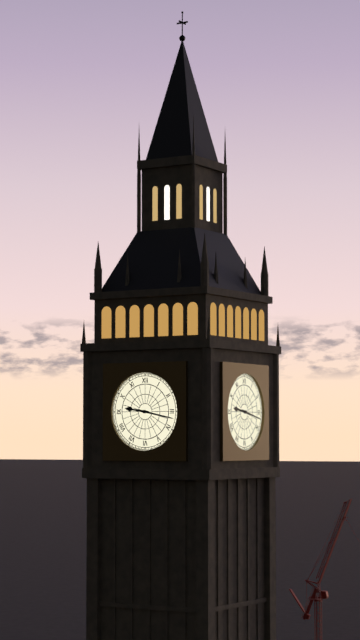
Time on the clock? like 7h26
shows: 9h17
